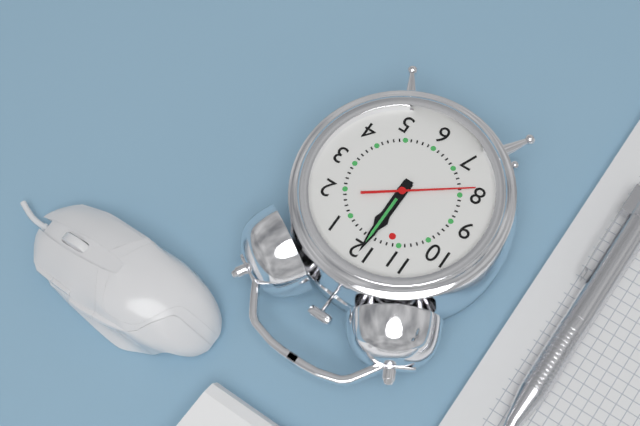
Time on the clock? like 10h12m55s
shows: 12h00m39s
